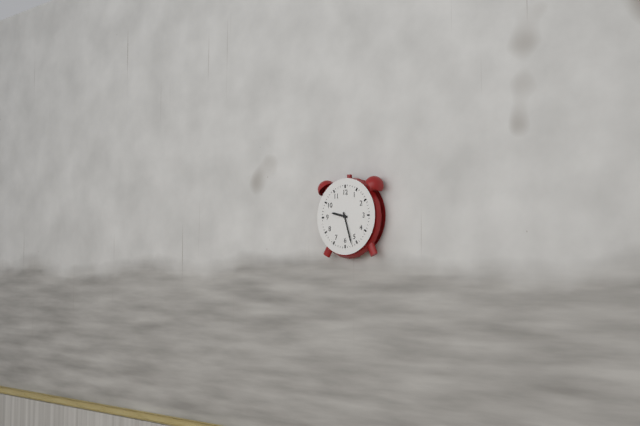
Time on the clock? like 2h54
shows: 9h27
